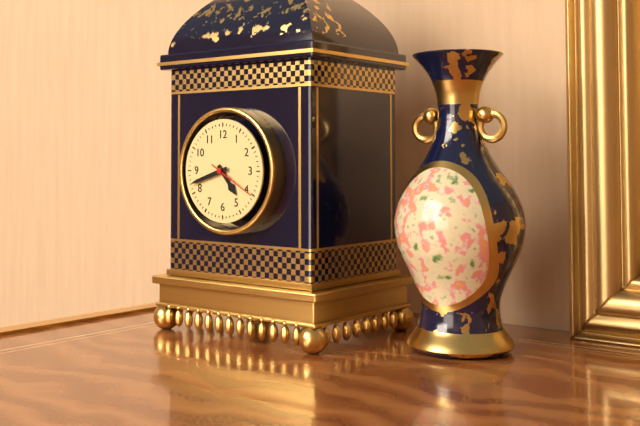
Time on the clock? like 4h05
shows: 4h42
